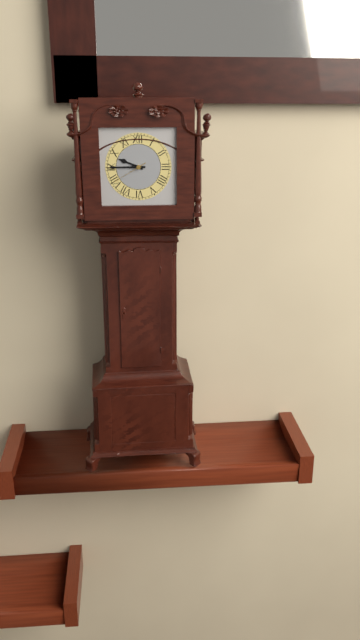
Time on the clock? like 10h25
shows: 9h45
